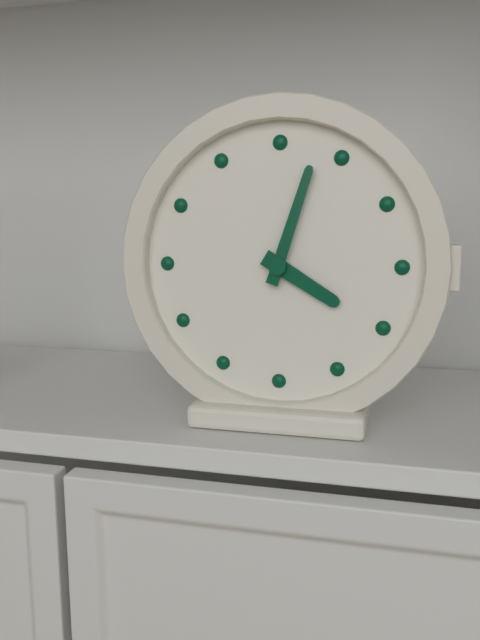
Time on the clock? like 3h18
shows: 4h03
